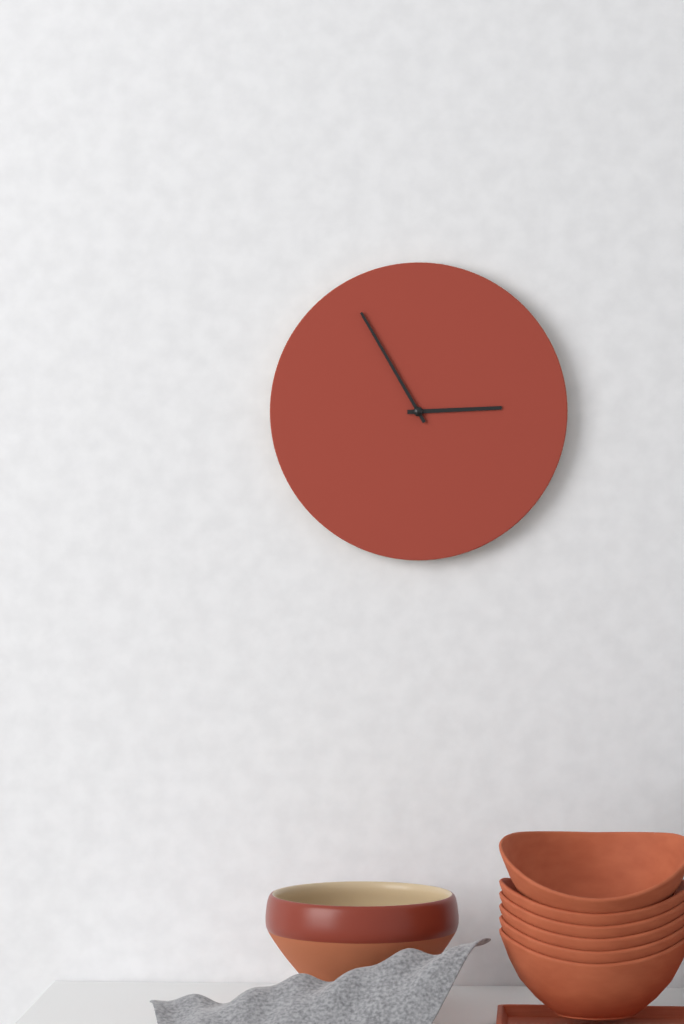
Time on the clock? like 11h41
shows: 2h55
